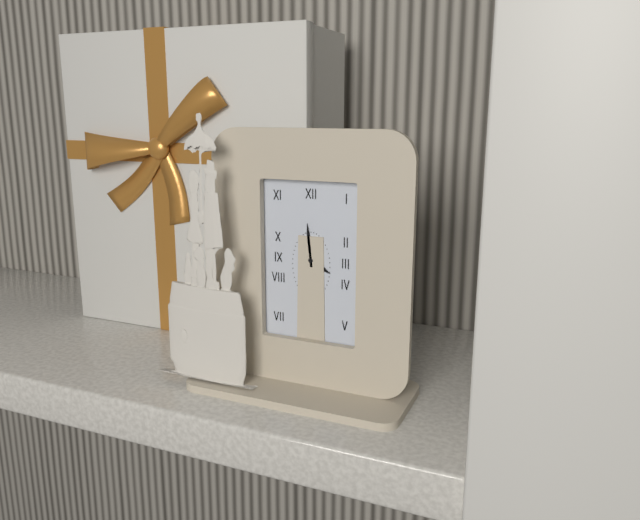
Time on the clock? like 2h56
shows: 3h59
